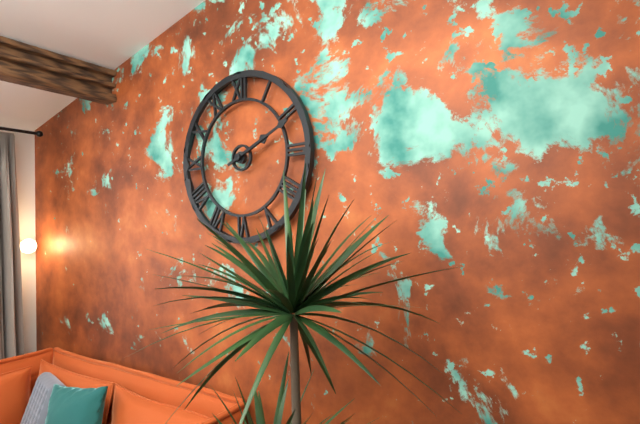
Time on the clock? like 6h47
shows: 2h11
